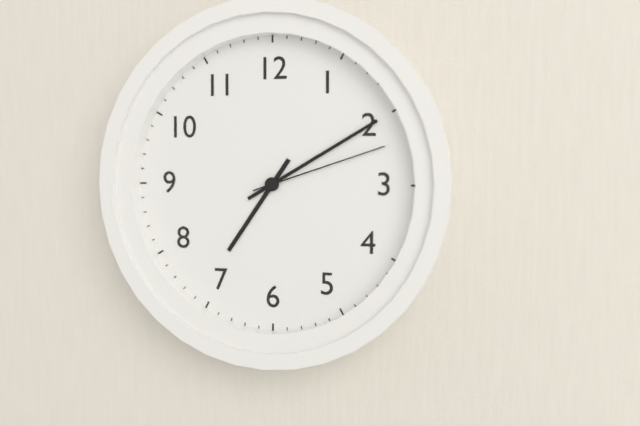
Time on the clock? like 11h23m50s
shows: 7h10m12s
